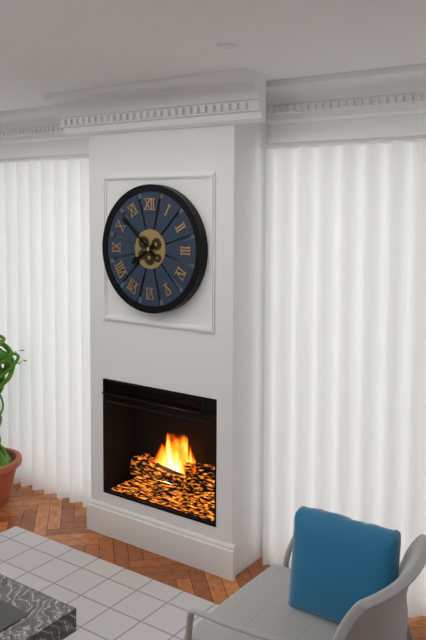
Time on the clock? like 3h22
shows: 7h52
